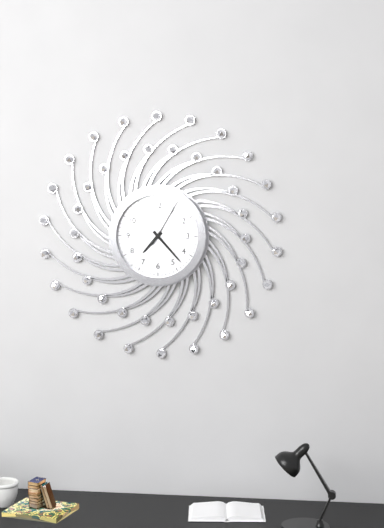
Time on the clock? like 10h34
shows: 7h23
